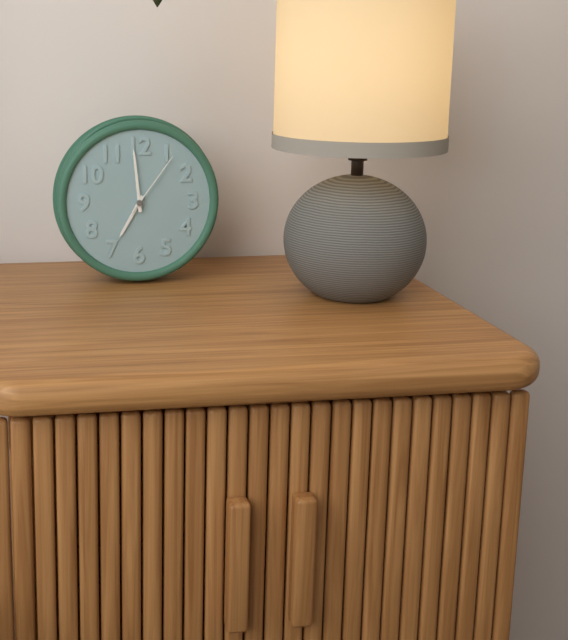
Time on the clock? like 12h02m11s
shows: 6h59m06s
